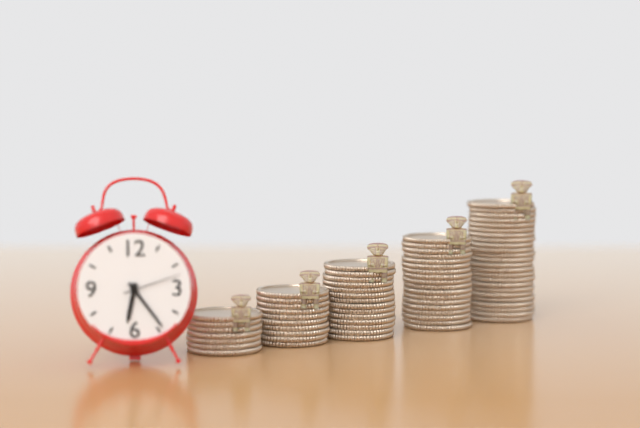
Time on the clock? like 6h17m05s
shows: 6h24m12s
